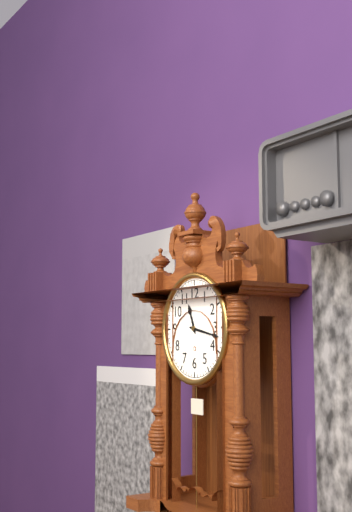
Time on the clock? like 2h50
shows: 11h17
